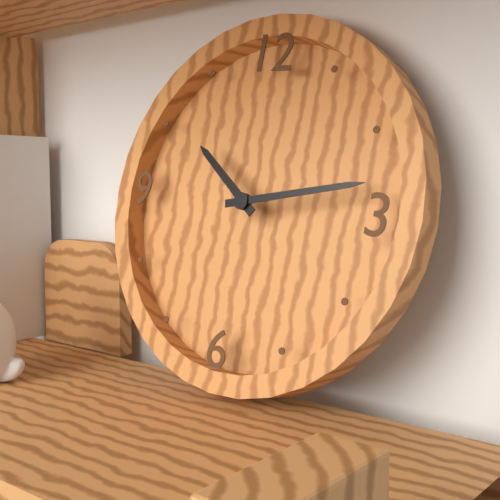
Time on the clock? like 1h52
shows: 10h13
